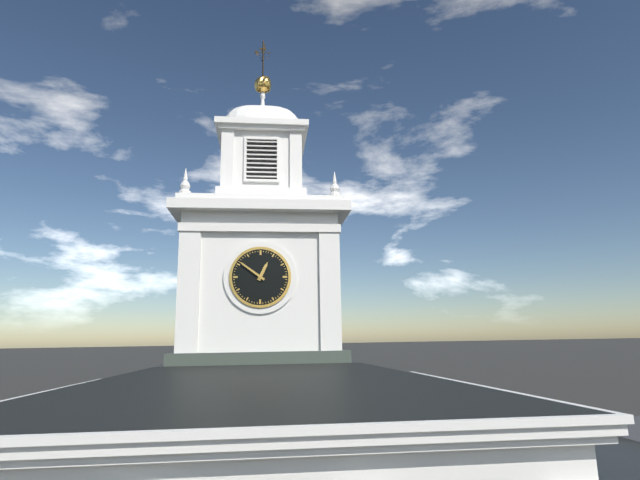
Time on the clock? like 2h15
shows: 12h51
